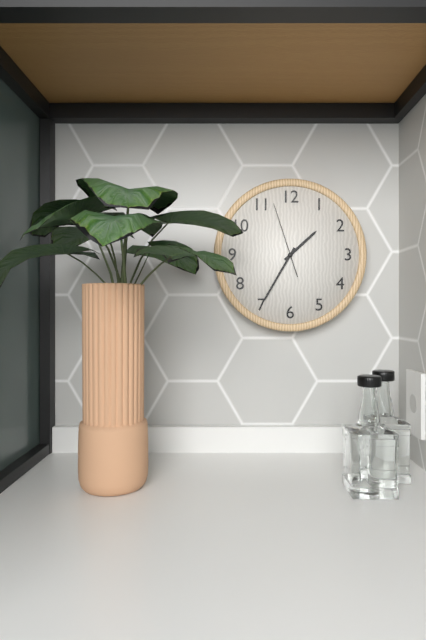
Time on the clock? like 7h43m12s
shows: 1h35m57s
